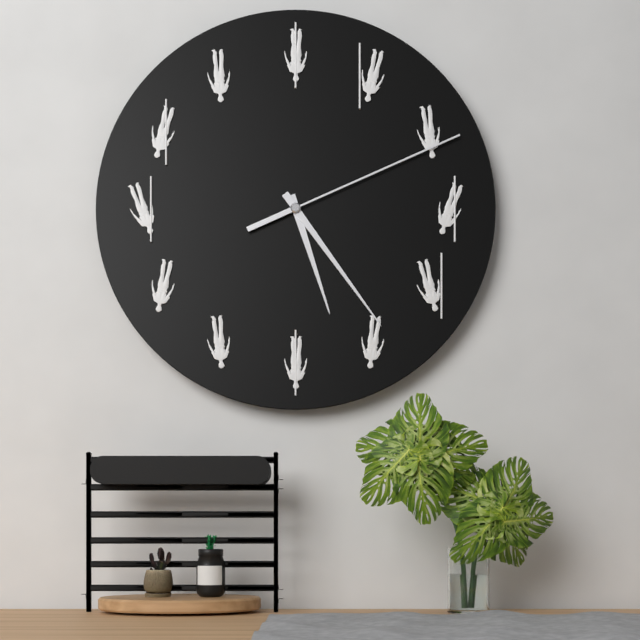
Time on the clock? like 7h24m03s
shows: 5h24m11s
